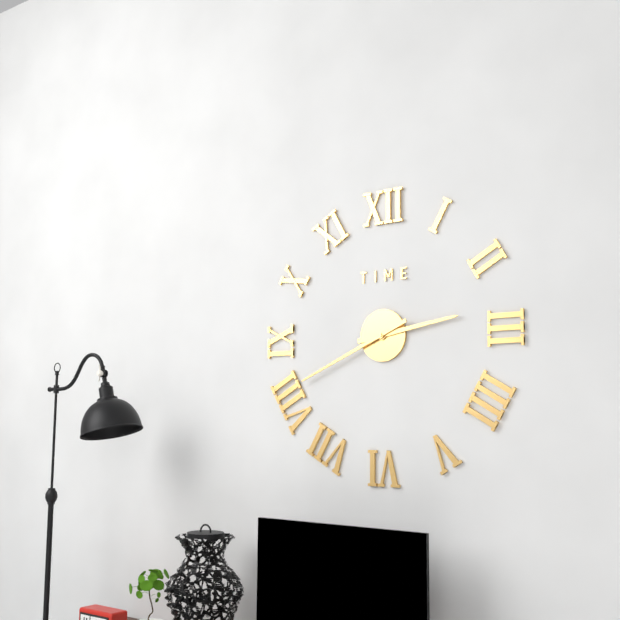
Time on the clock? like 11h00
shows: 2h41
